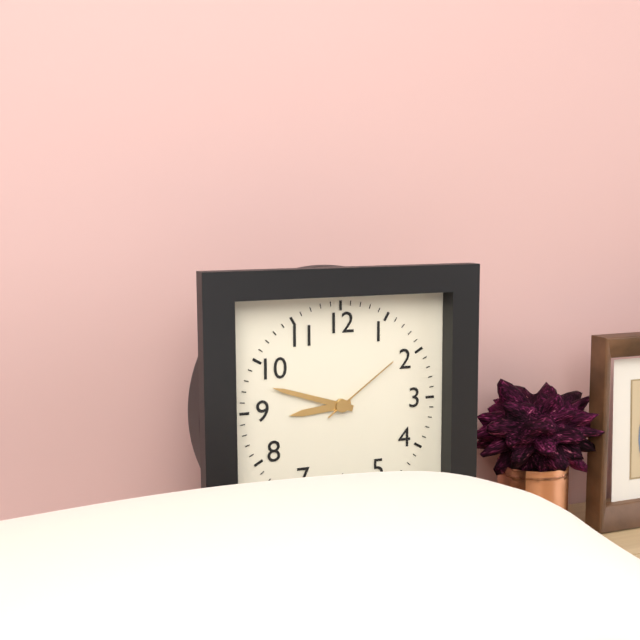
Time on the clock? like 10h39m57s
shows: 8h48m09s
